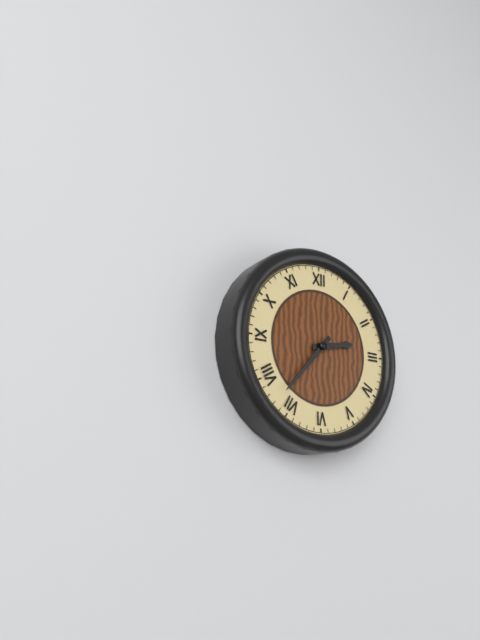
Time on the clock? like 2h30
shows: 2h37
